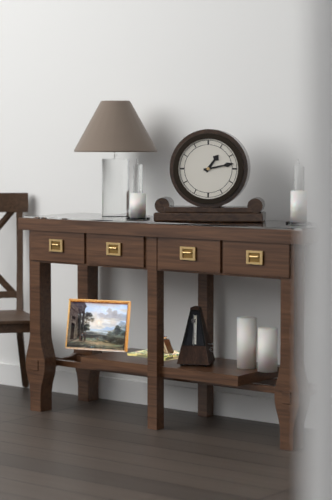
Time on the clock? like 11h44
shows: 1h13
